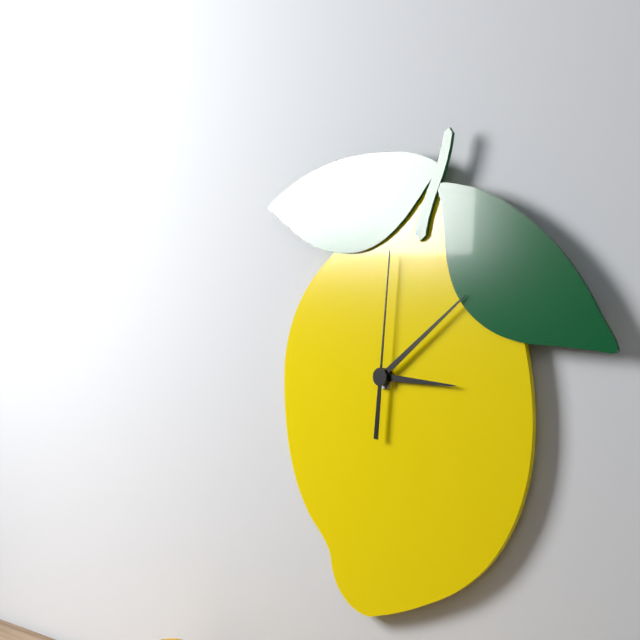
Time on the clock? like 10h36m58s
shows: 3h09m01s
